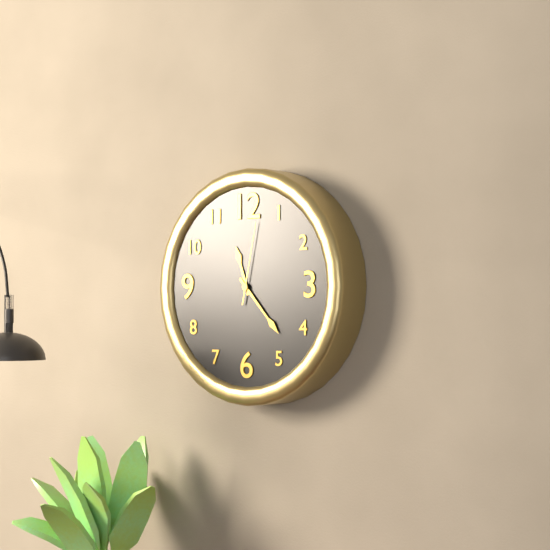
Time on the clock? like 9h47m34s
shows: 11h23m02s
